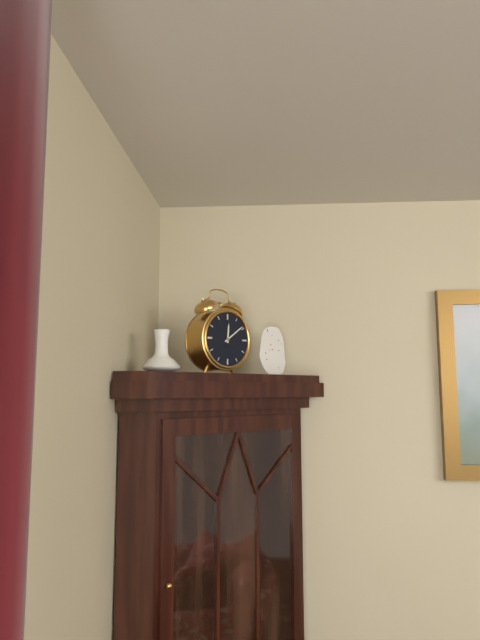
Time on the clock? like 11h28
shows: 12h09
